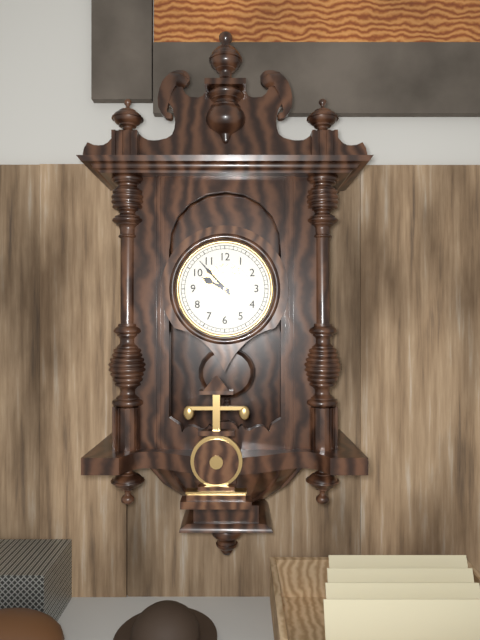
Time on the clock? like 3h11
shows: 9h53
